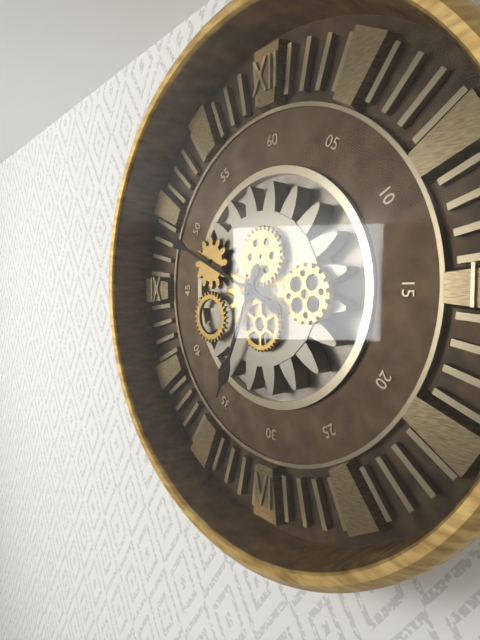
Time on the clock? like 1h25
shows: 6h49
